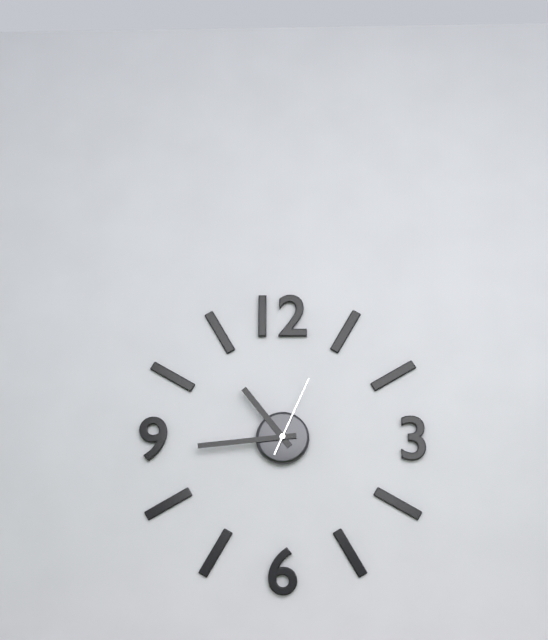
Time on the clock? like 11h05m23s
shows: 10h44m04s
